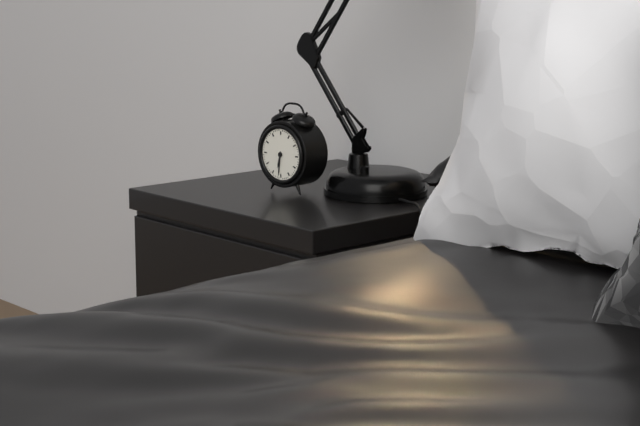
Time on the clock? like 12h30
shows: 6h31
